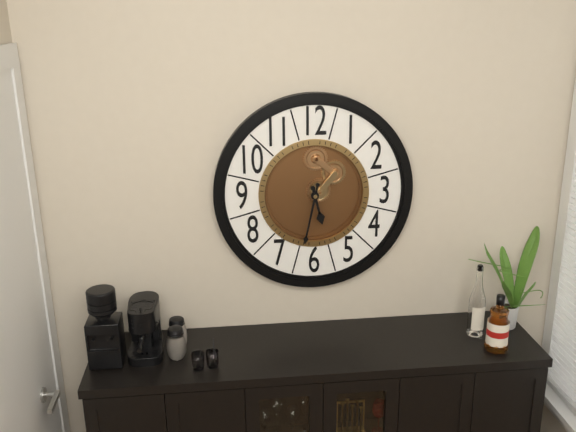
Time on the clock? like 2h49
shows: 5h32
